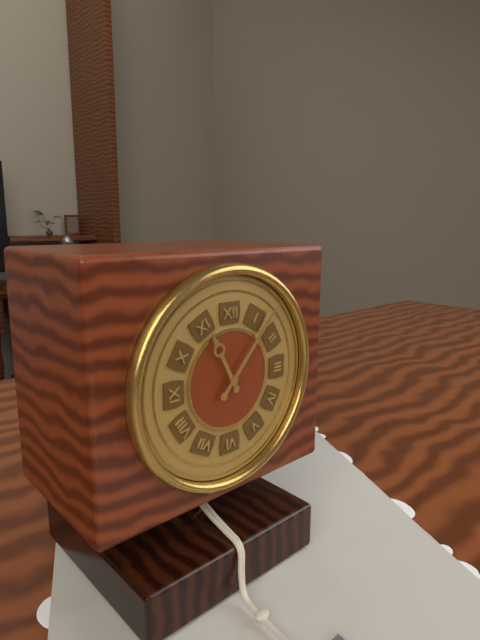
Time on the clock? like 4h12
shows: 11h07
